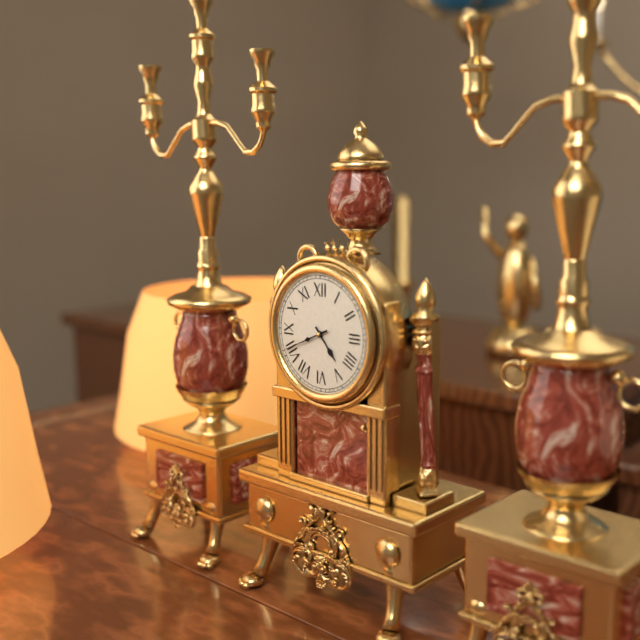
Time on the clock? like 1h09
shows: 4h41
